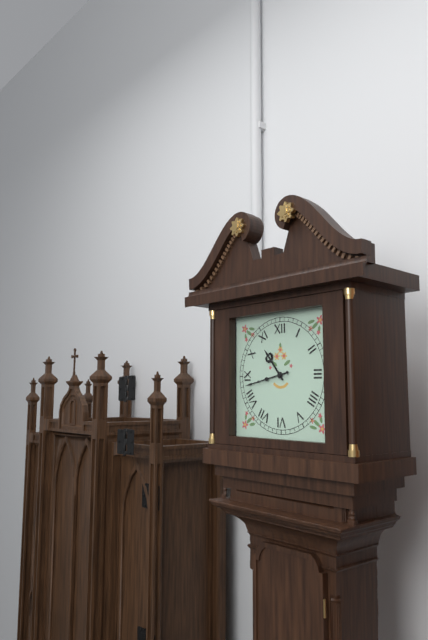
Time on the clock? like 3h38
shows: 10h43
